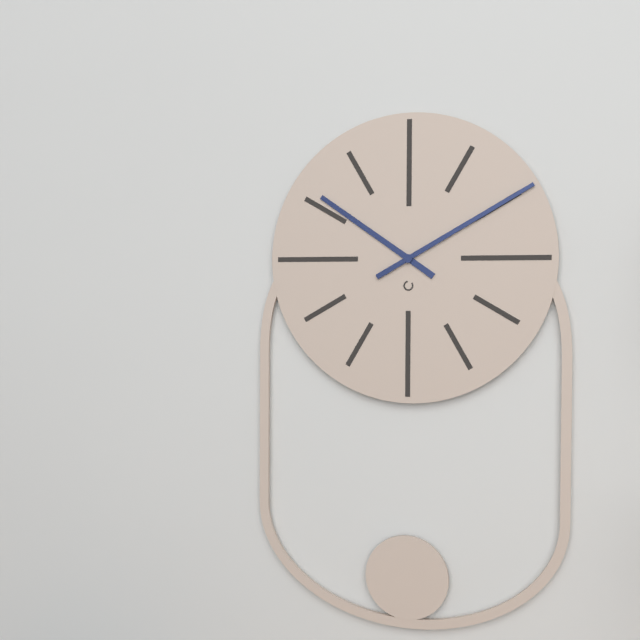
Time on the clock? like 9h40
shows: 10h10
